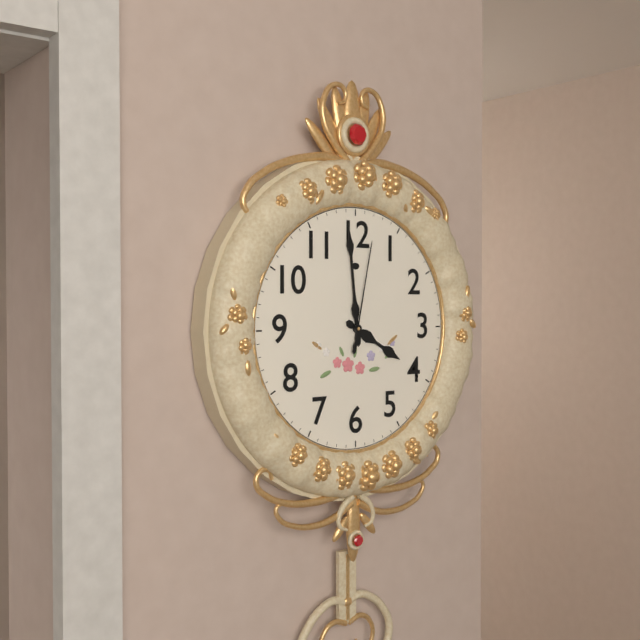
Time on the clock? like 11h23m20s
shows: 3h59m02s
